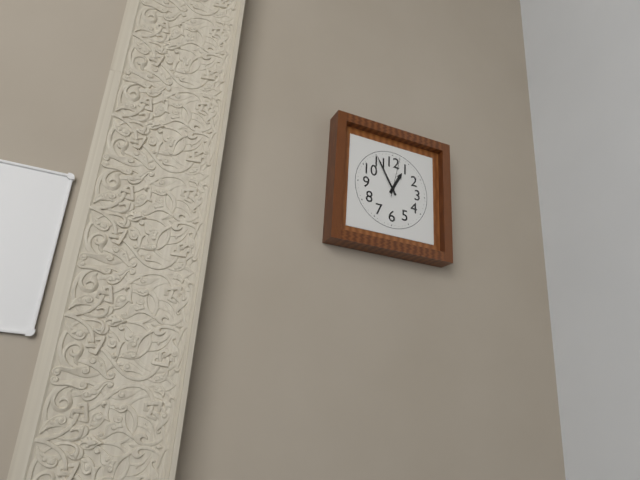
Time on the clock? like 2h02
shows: 12h55
